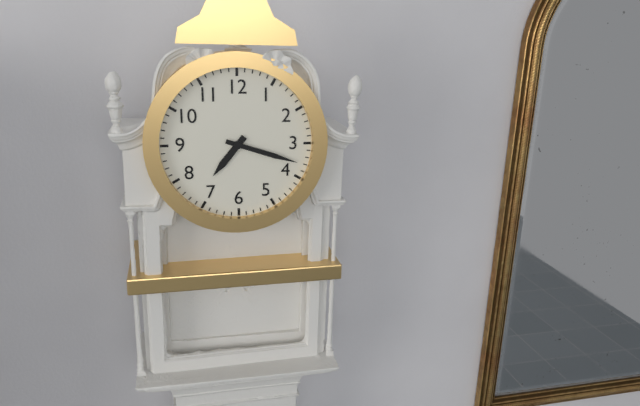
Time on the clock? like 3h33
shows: 7h18
